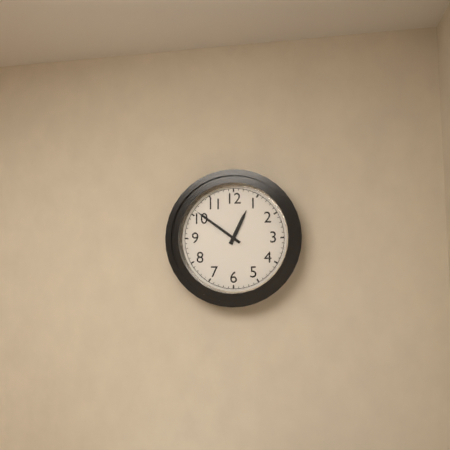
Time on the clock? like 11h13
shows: 12h51
